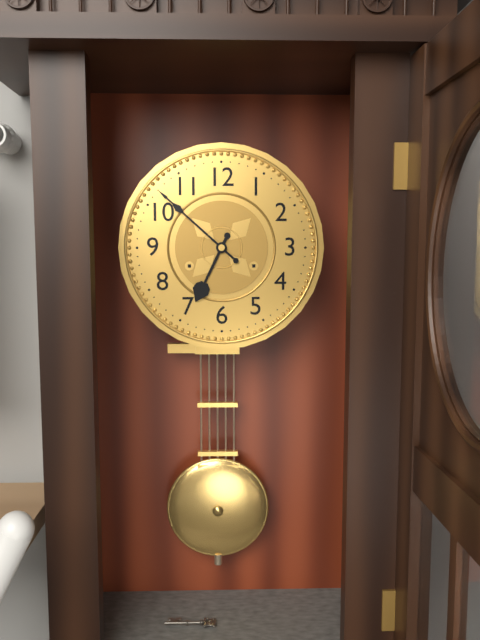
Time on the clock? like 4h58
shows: 6h52
